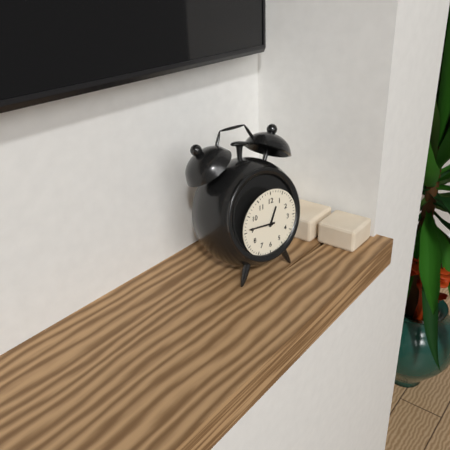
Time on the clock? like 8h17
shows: 12h46
